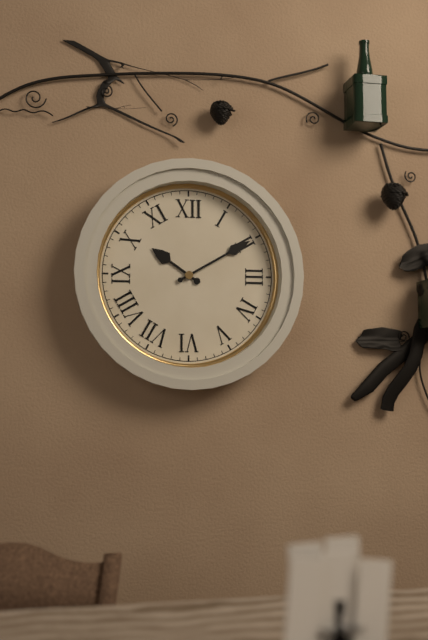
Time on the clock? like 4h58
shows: 10h10
